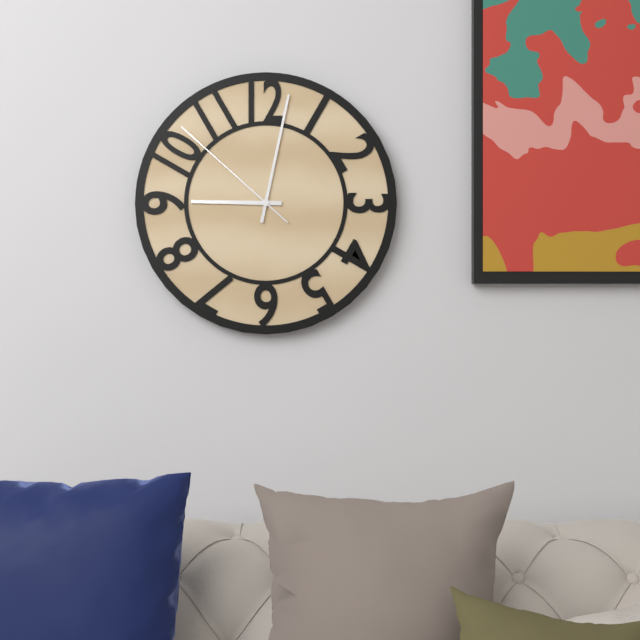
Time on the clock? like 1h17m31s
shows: 9h02m52s
